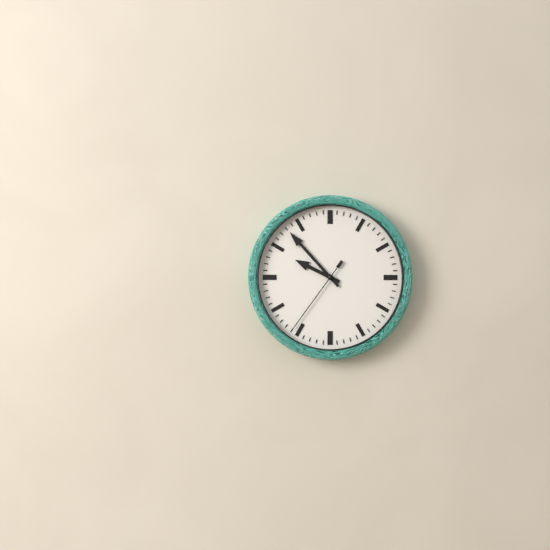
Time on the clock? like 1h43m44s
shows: 9h53m36s
